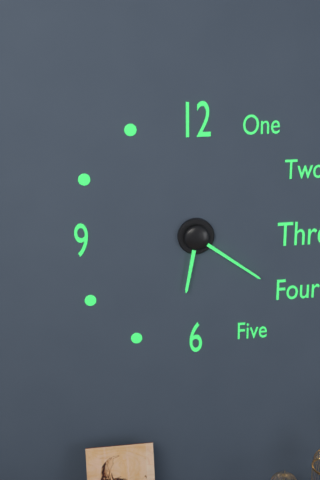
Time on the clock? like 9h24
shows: 6h21
